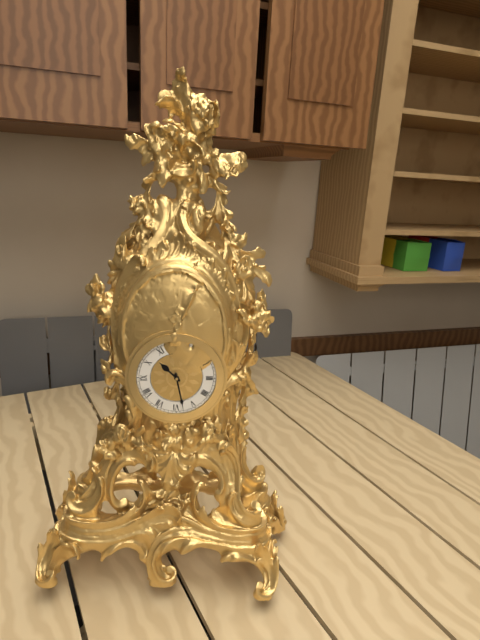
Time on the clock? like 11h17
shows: 10h28
